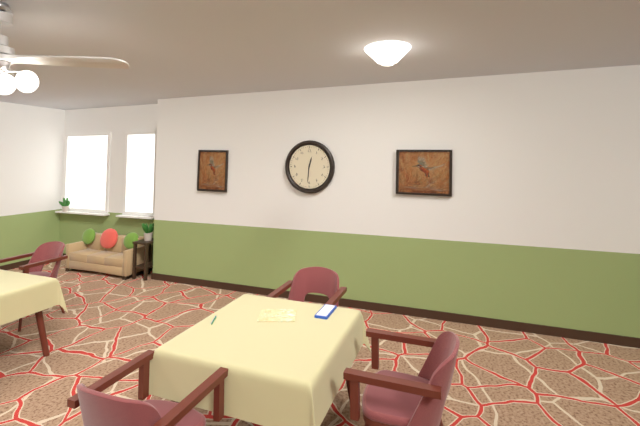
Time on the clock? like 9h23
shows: 12h31
